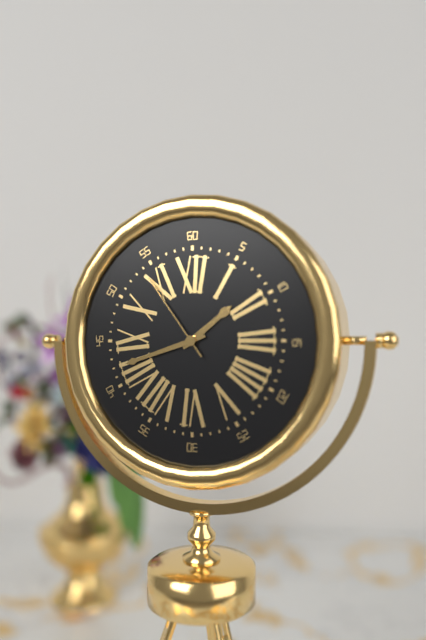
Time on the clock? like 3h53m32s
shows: 1h42m54s
